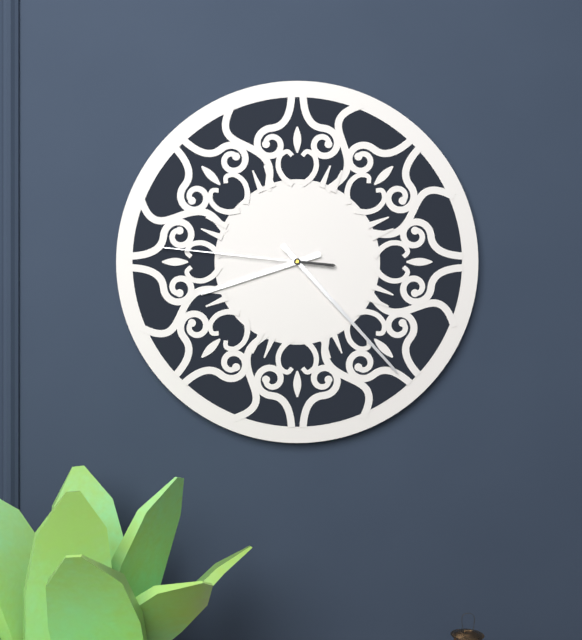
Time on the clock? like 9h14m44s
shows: 8h23m46s
